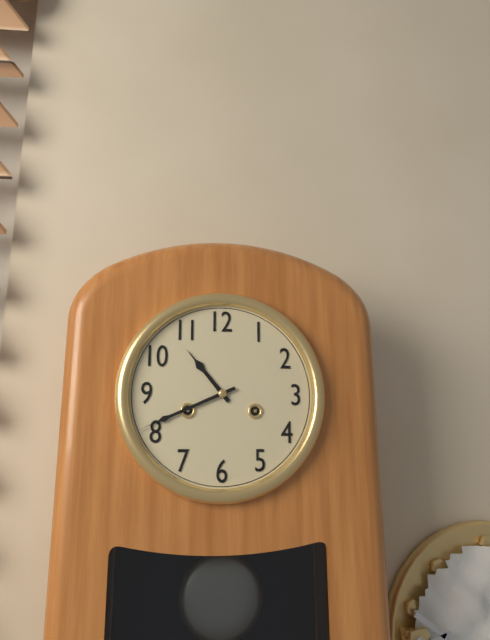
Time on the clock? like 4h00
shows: 10h41
